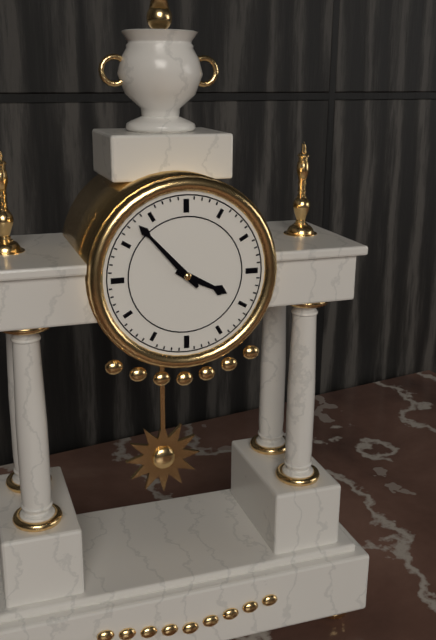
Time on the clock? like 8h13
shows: 3h53
